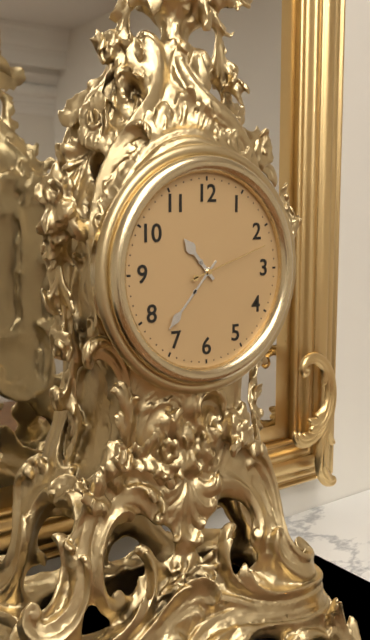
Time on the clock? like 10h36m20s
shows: 10h37m12s
